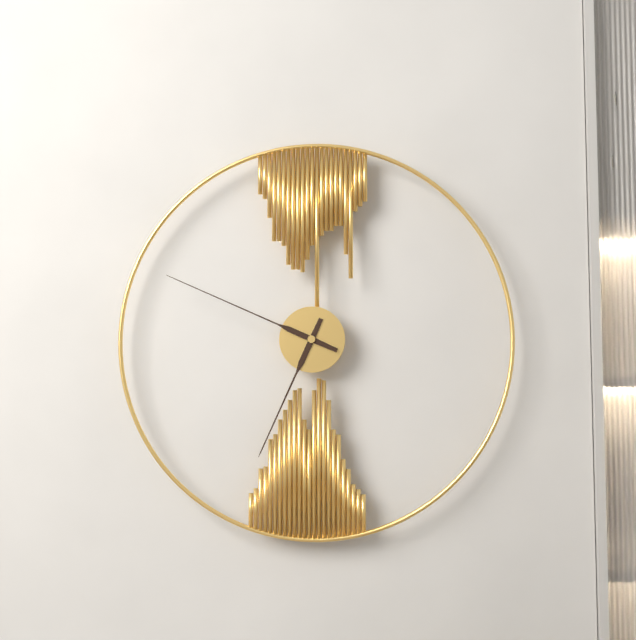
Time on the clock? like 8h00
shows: 6h49
